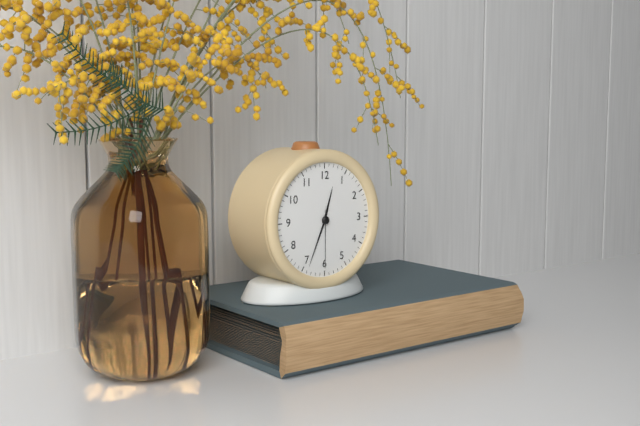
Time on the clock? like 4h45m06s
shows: 12h34m30s
